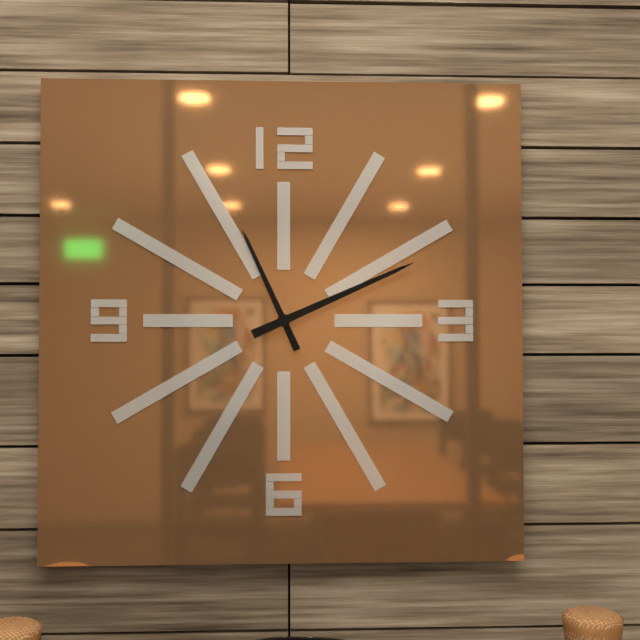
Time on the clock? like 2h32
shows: 11h11
